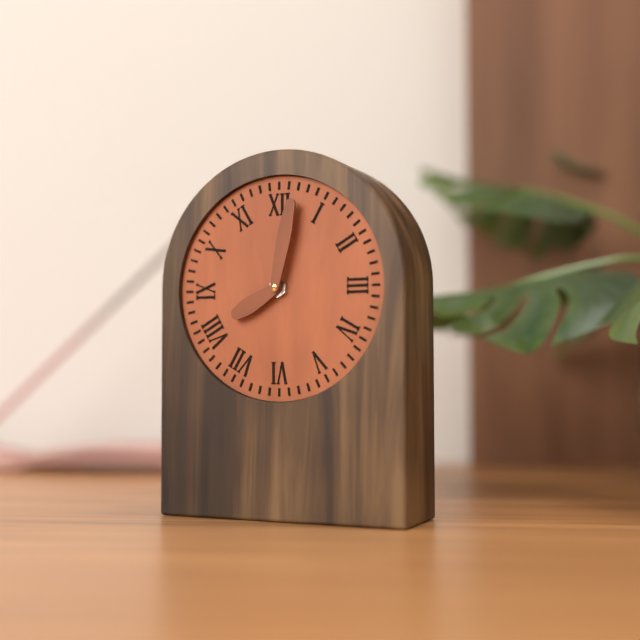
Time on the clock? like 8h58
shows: 8h02
